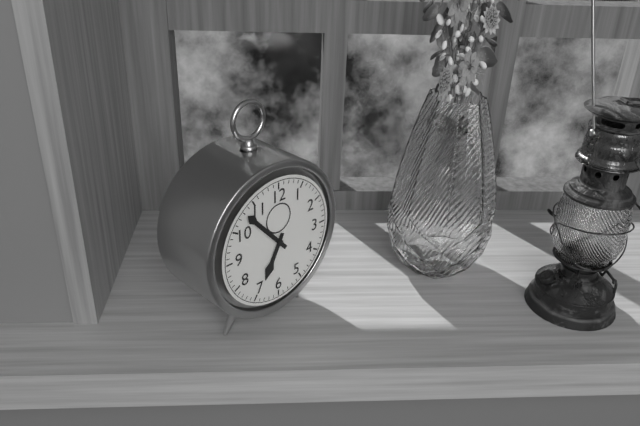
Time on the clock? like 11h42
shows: 6h53
